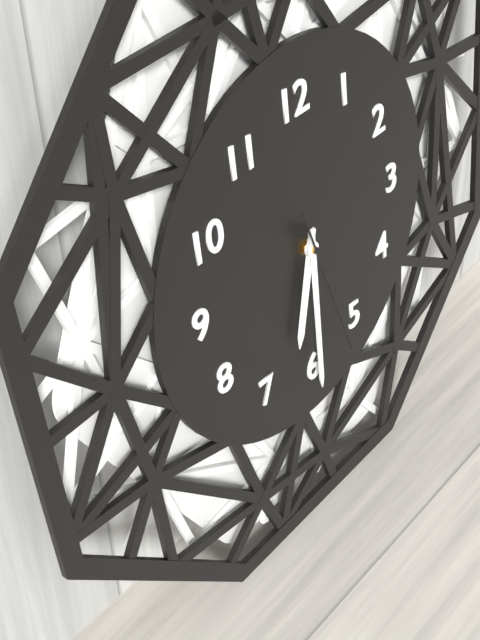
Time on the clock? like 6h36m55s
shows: 6h30m27s
